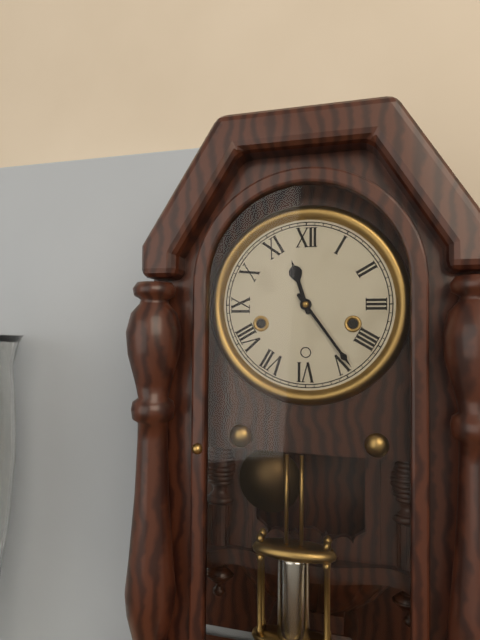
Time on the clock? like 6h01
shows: 11h24
